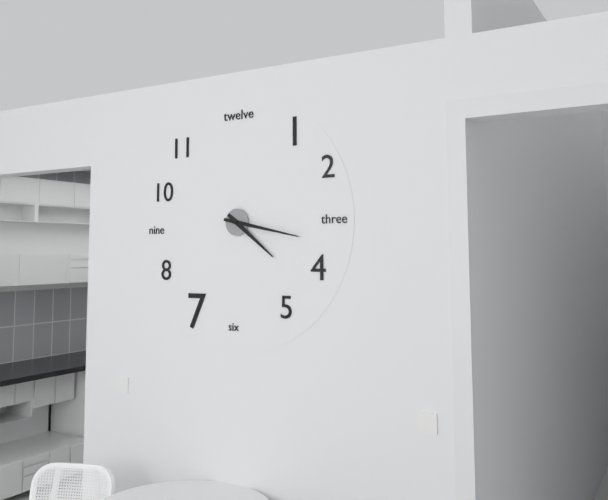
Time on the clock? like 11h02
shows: 4h17
